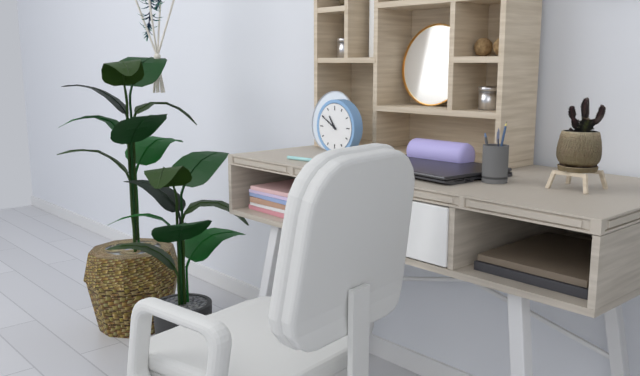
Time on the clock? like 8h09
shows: 10h50
